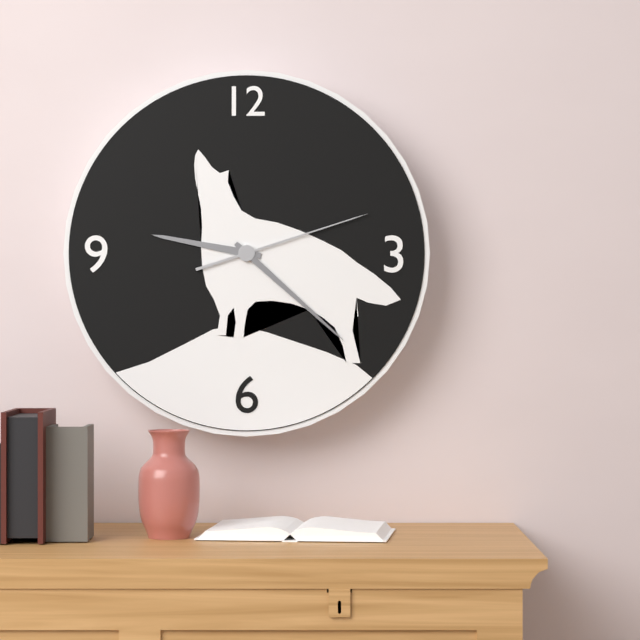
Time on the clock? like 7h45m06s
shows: 9h22m12s
